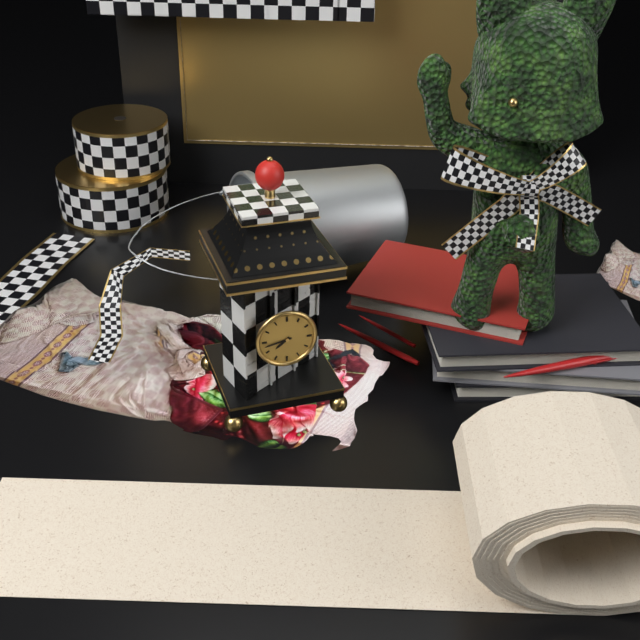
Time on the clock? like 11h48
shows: 7h43
